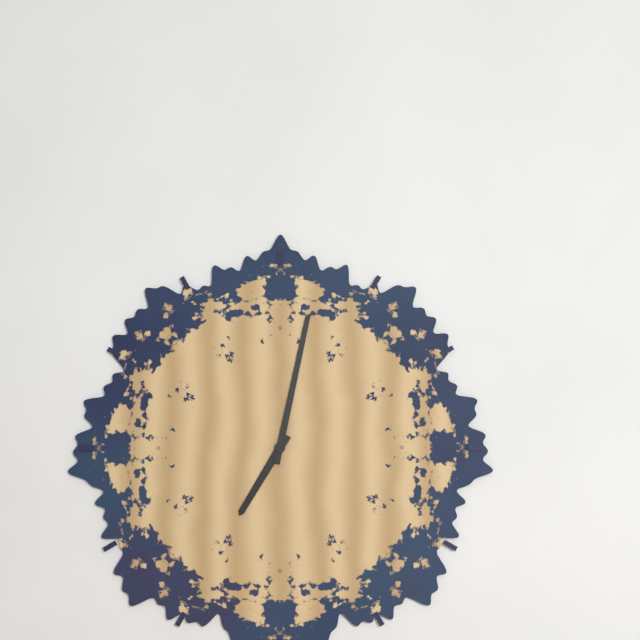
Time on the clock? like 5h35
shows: 7h02
